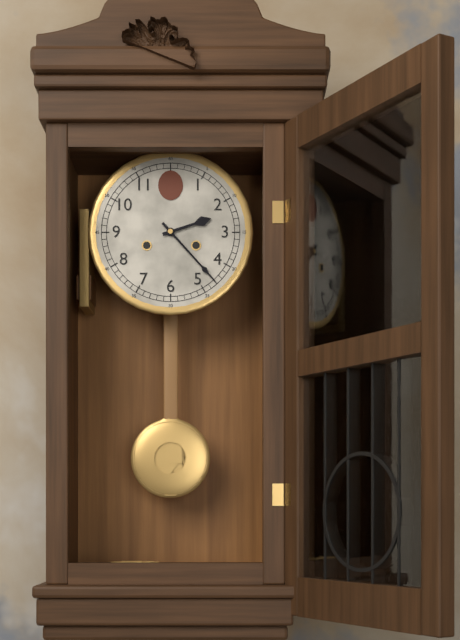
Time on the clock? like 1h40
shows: 2h23
